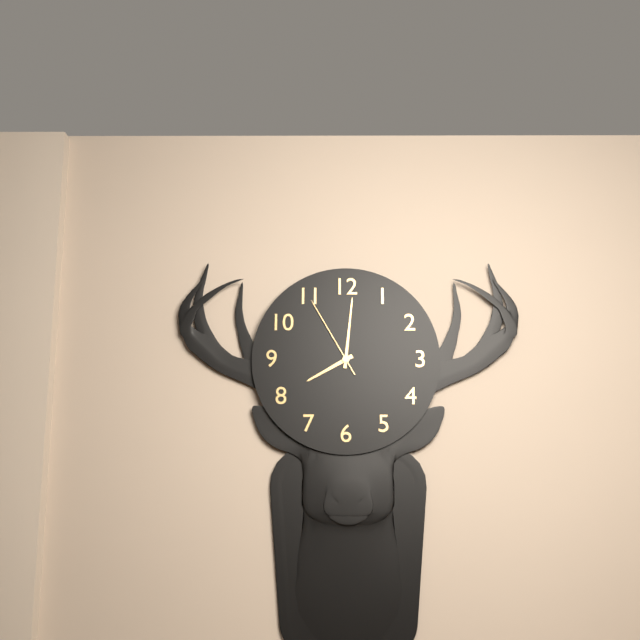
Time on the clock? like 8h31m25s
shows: 8h01m55s
